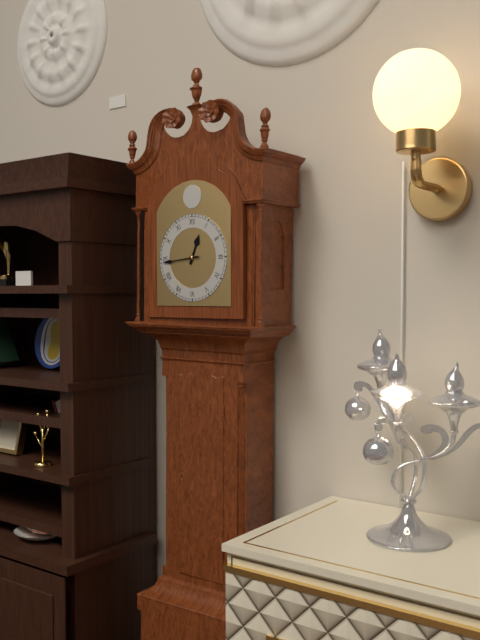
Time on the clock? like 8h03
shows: 12h44
